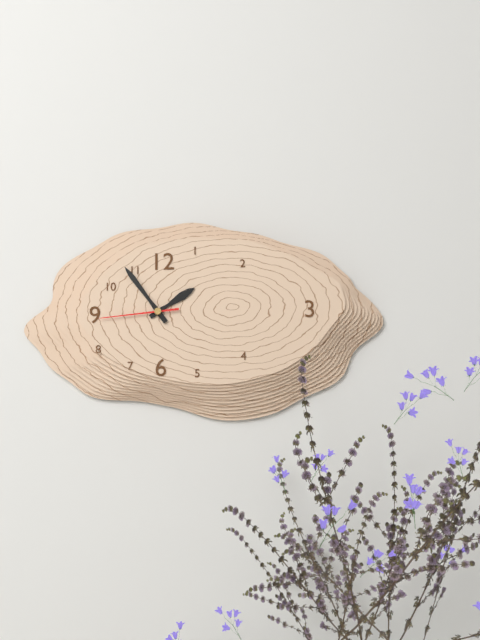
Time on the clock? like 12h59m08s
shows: 1h54m44s
